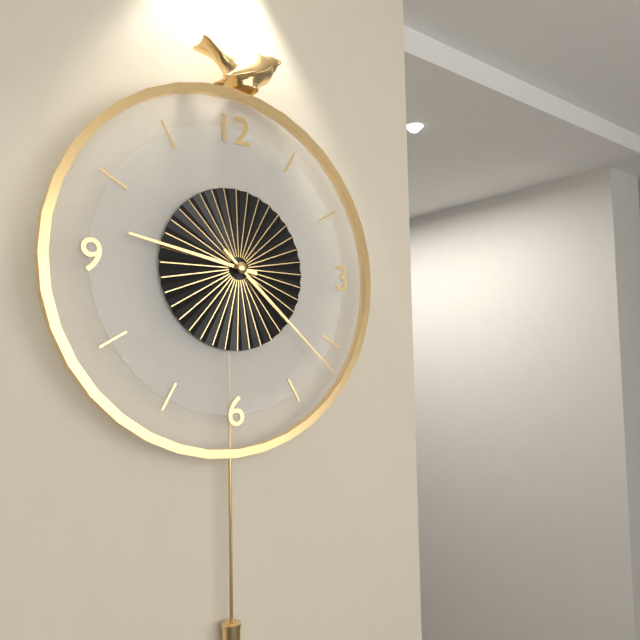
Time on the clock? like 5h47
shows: 9h22
